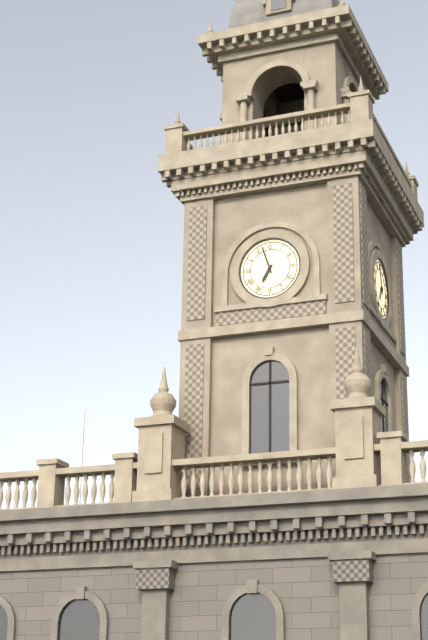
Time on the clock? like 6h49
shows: 6h57
